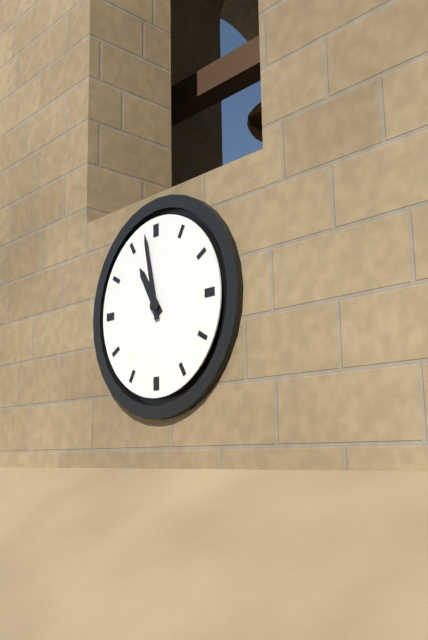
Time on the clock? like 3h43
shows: 10h58
